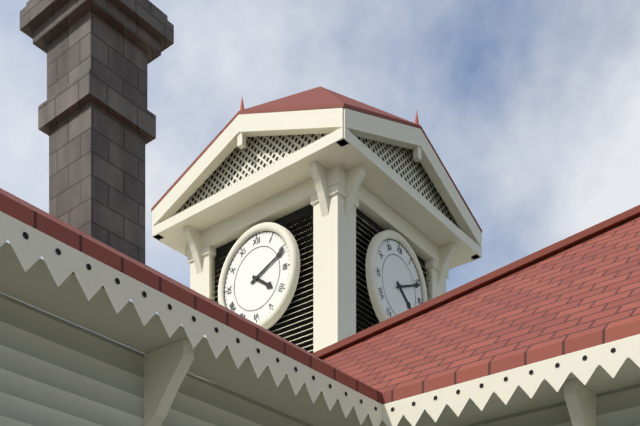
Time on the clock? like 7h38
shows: 4h11
